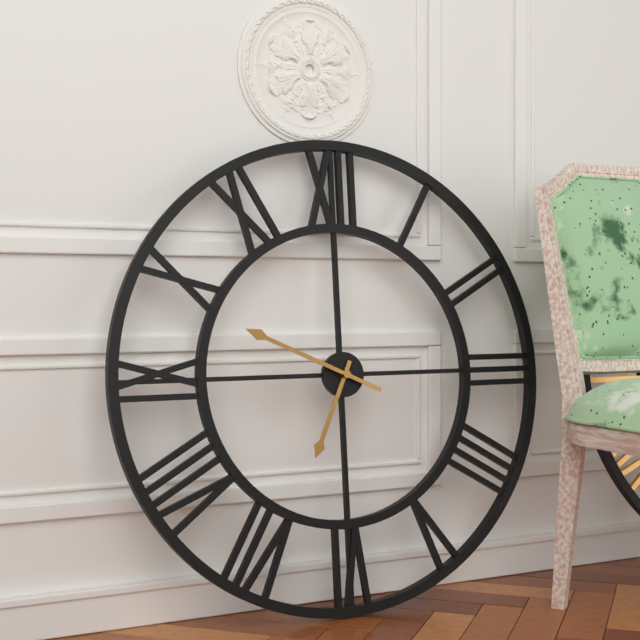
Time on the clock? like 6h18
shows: 6h49
